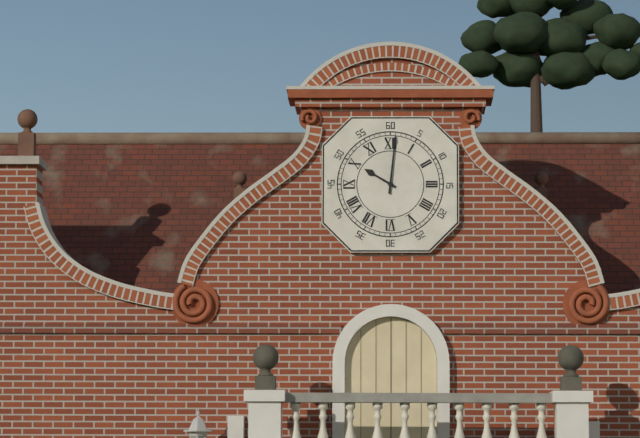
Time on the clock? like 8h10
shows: 10h01
